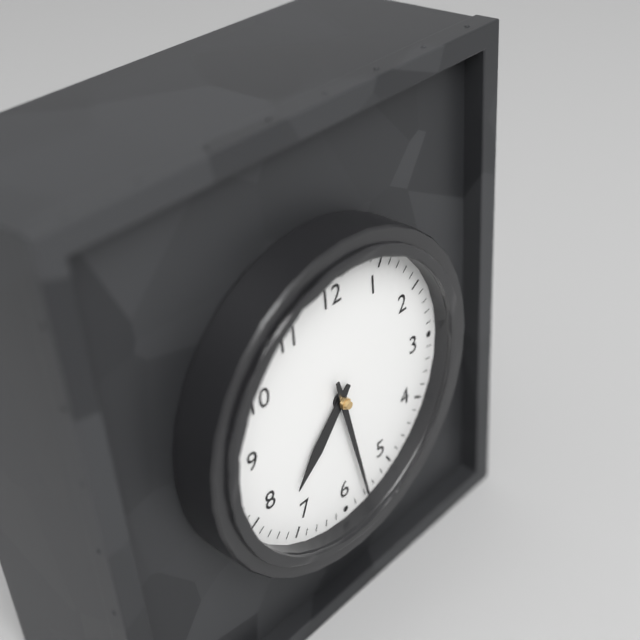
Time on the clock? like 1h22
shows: 7h28
